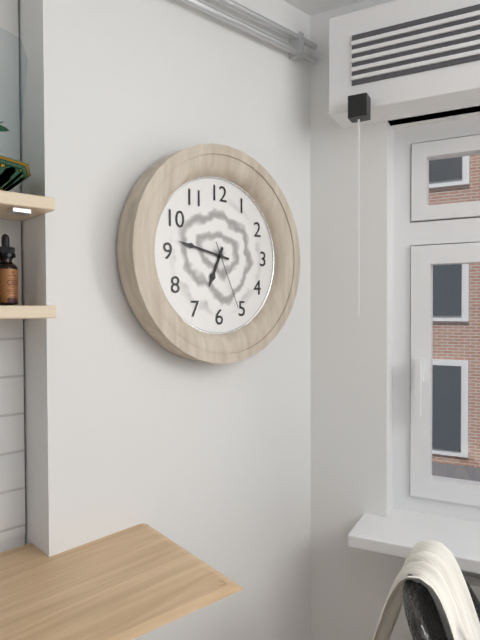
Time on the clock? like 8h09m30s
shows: 6h47m26s
